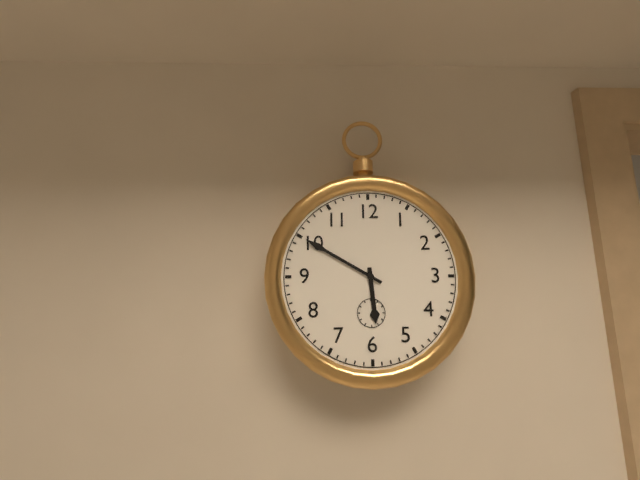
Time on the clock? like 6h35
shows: 5h50
